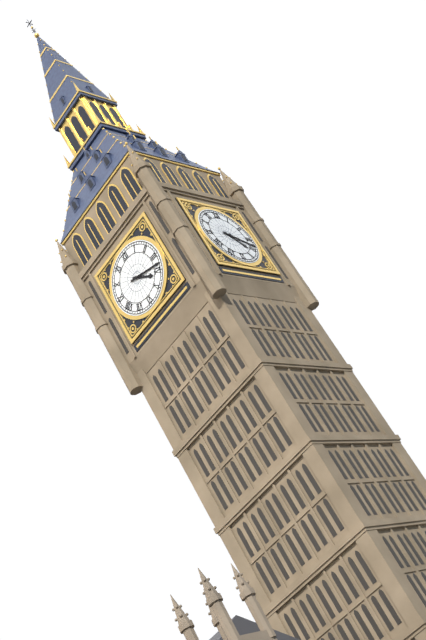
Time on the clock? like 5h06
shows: 4h18
